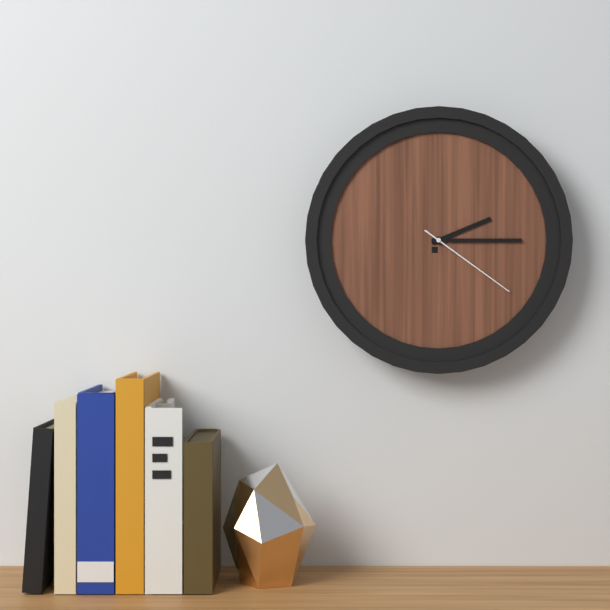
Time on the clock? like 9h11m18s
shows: 2h15m21s
